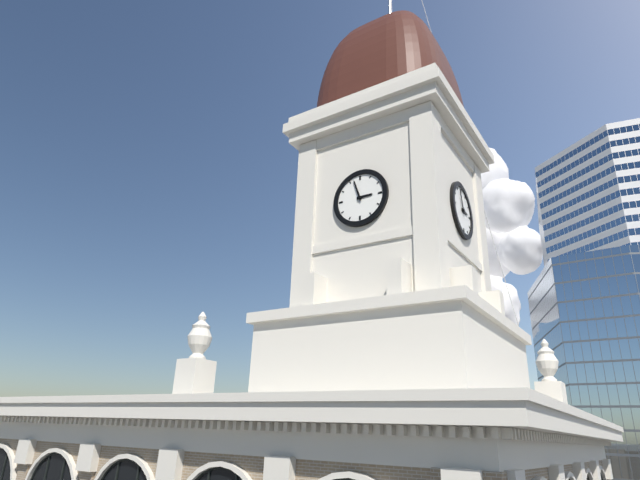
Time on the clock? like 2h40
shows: 2h57
